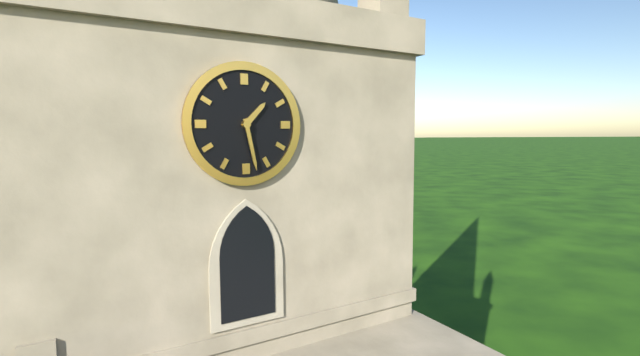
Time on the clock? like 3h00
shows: 1h28
